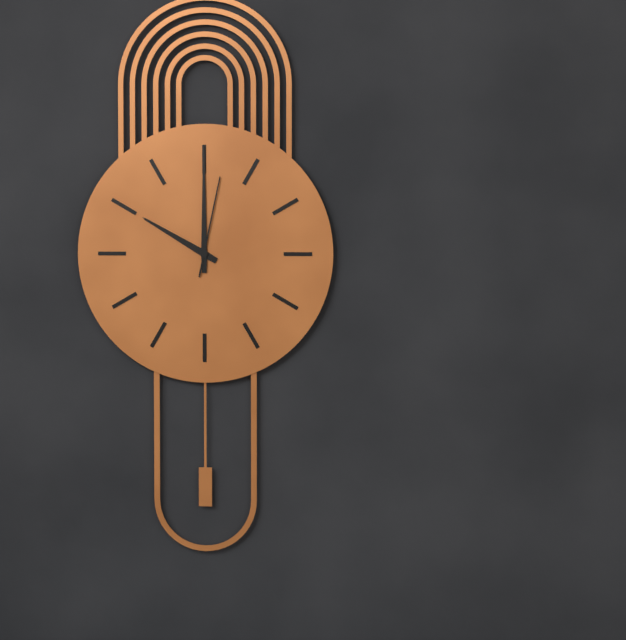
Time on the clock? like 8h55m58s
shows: 10h00m02s
